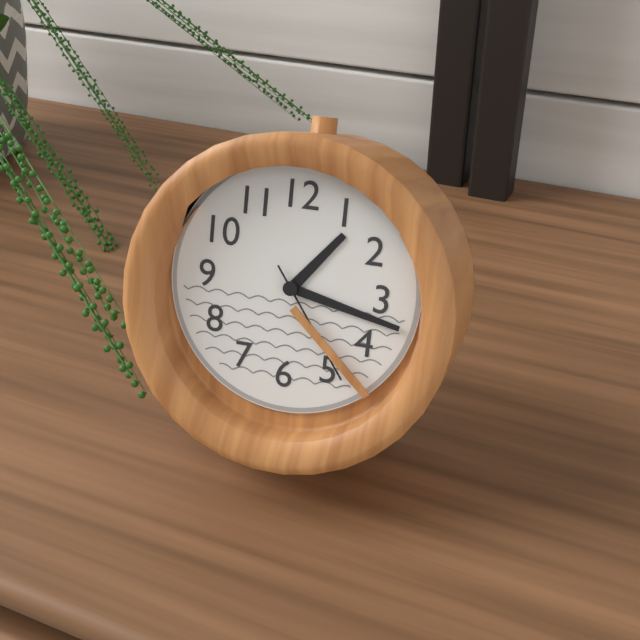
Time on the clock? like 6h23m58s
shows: 1h17m24s
